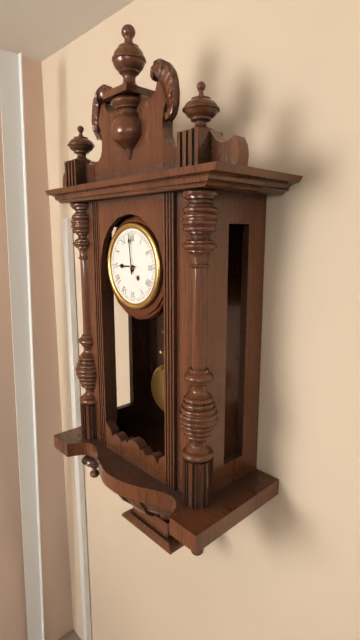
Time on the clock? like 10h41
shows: 8h59
